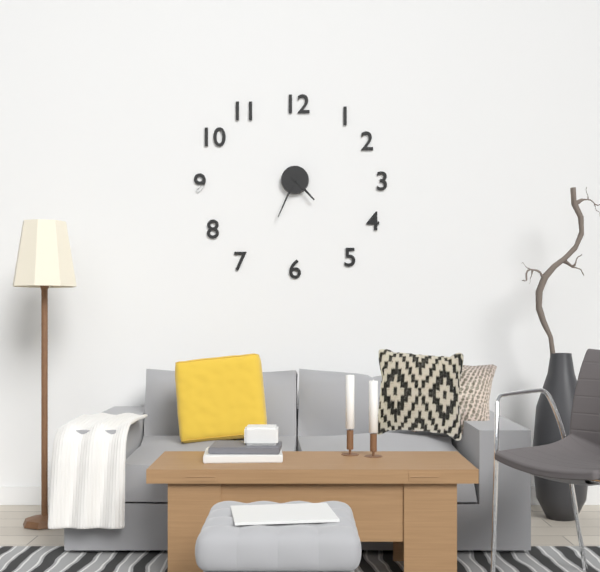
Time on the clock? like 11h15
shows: 4h34
